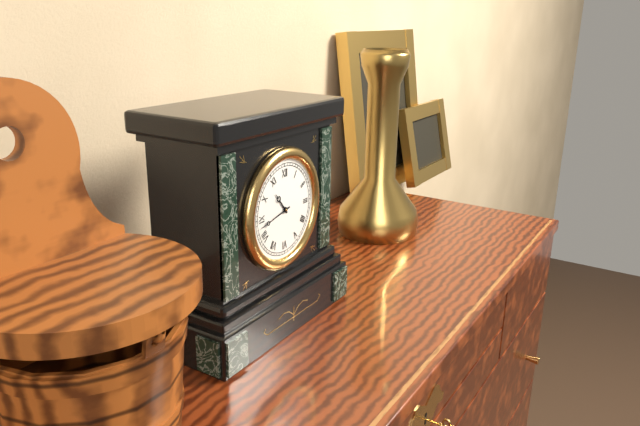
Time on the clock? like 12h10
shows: 10h43
